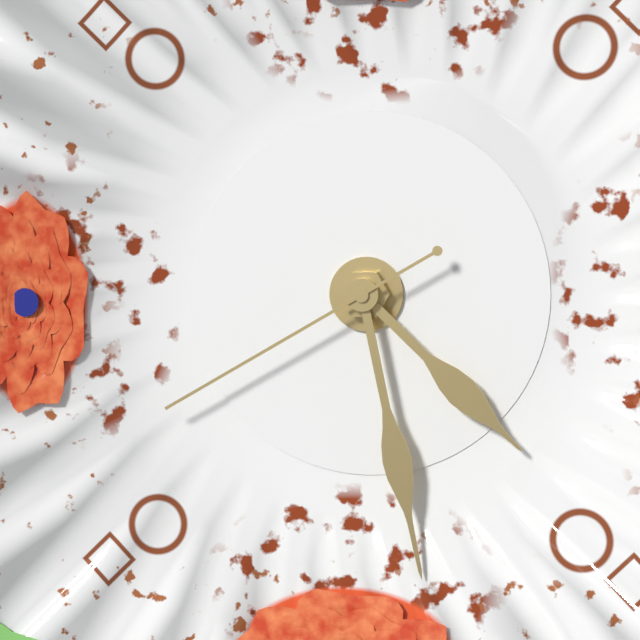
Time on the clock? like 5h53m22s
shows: 4h28m40s
